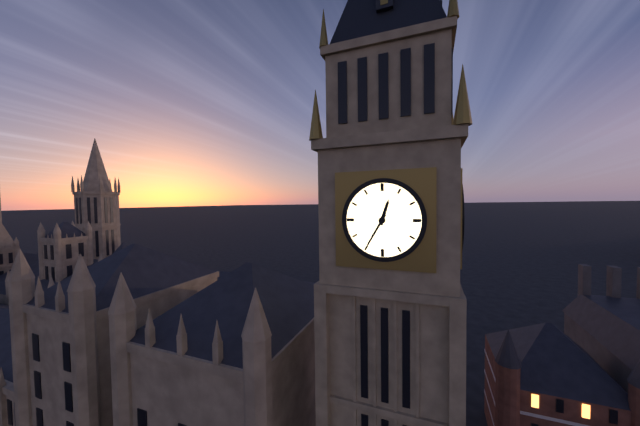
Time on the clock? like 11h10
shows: 12h35
